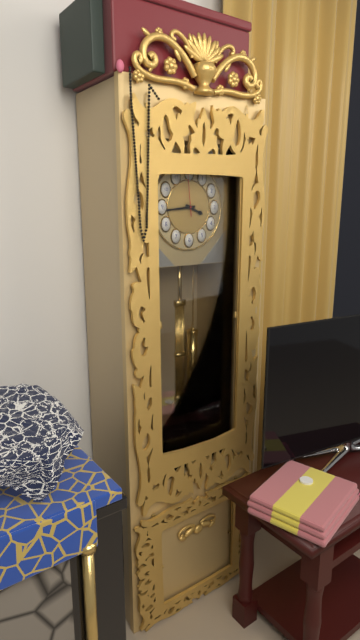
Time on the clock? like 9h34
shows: 3h44
